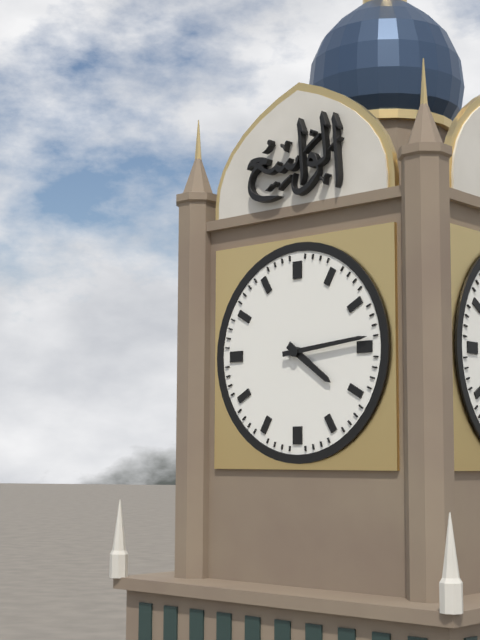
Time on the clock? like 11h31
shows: 4h14
